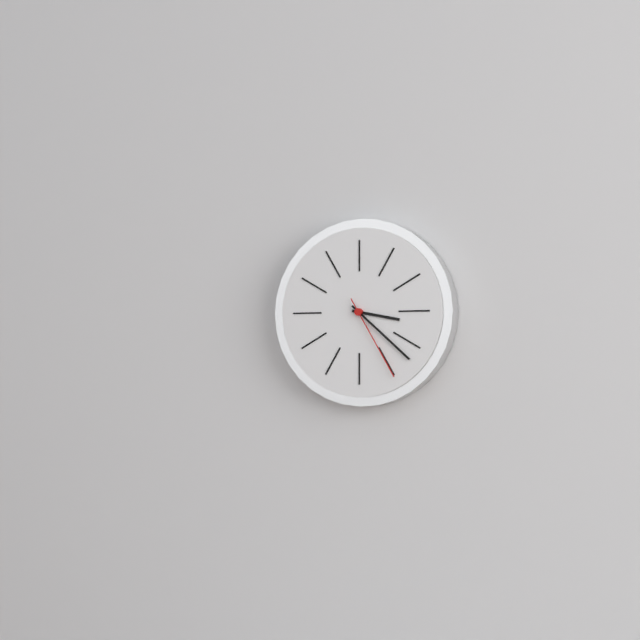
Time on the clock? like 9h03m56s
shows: 3h22m25s
